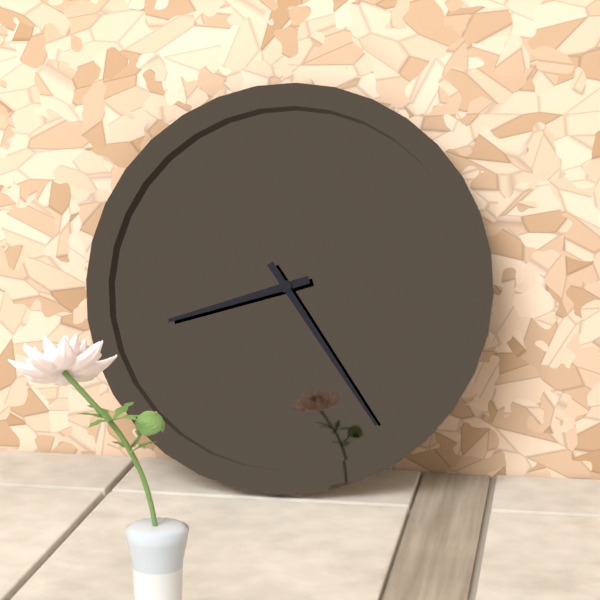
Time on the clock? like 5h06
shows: 8h24
